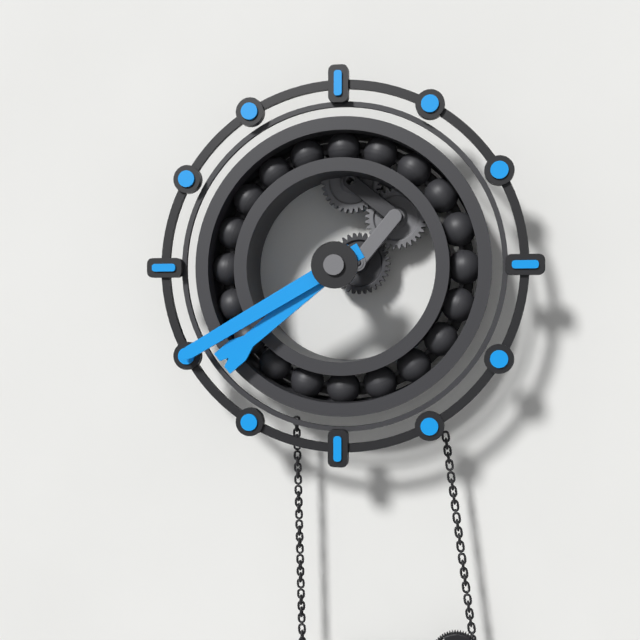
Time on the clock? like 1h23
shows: 7h40
